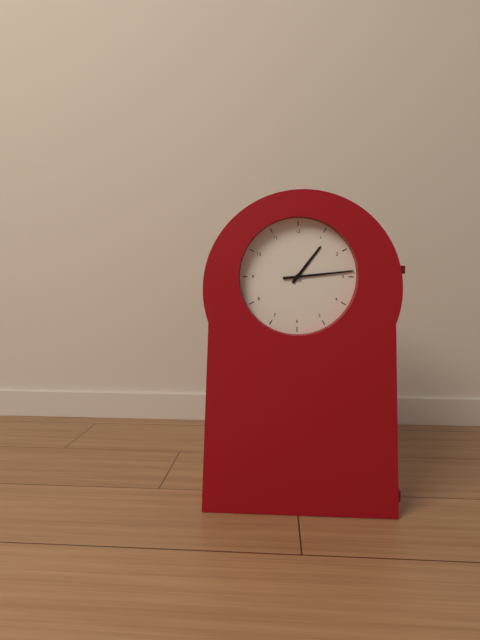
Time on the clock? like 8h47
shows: 1h14
